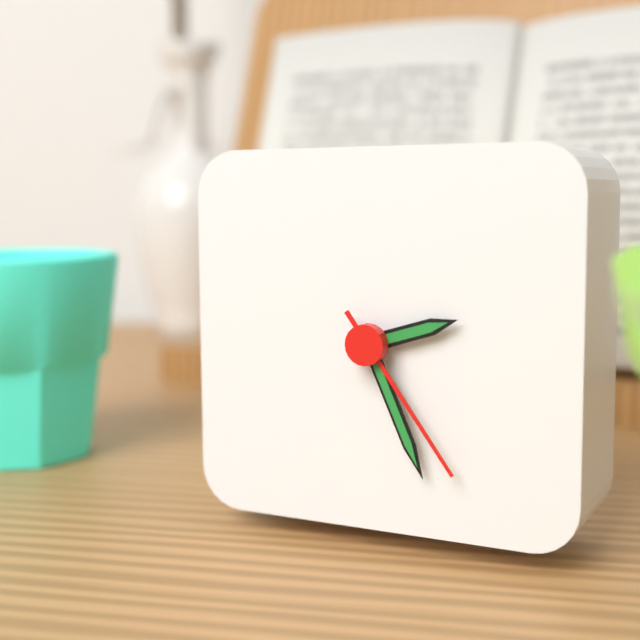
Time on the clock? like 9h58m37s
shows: 2h26m24s
